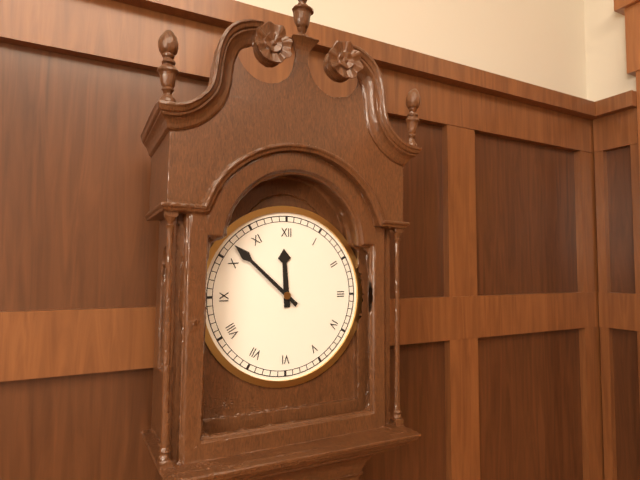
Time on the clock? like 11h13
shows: 11h52
